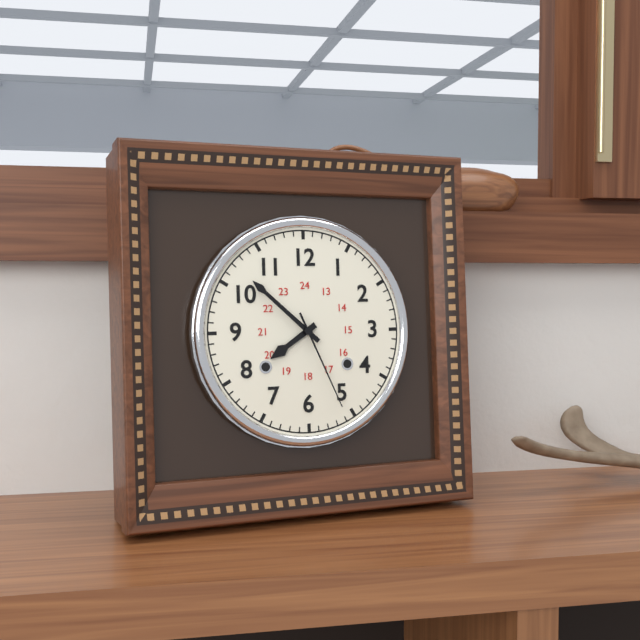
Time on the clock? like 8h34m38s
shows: 7h52m26s
